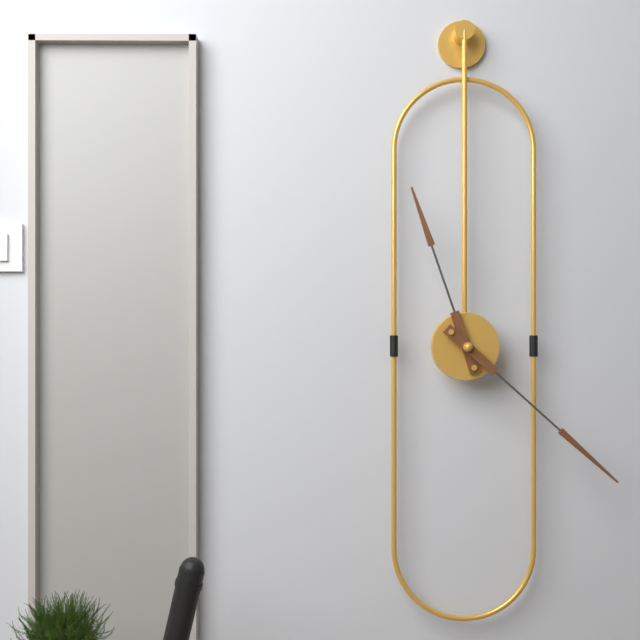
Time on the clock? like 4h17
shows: 11h22
